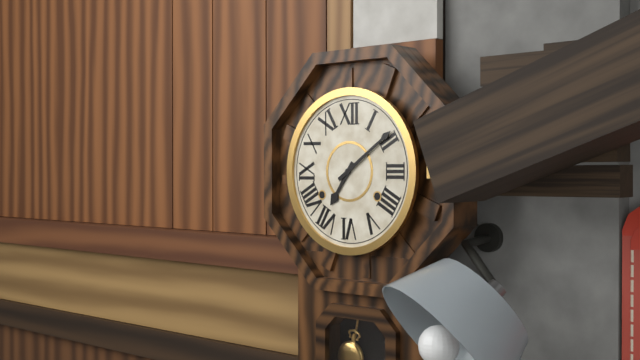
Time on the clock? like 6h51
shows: 7h09
